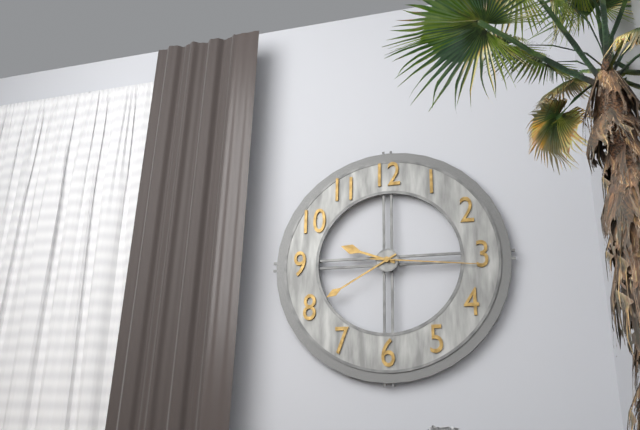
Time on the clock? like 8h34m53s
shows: 9h40m16s
